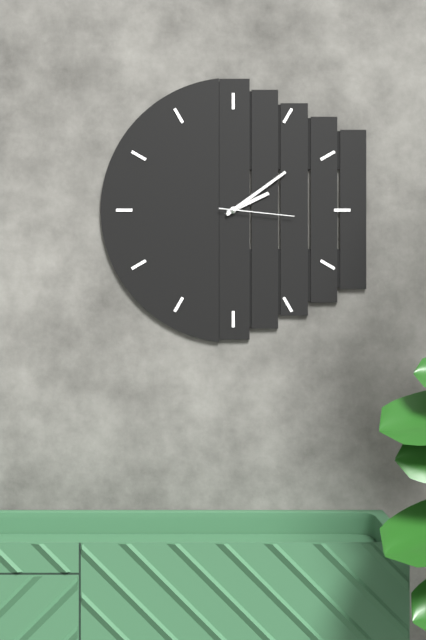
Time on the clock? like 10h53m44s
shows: 2h09m16s
